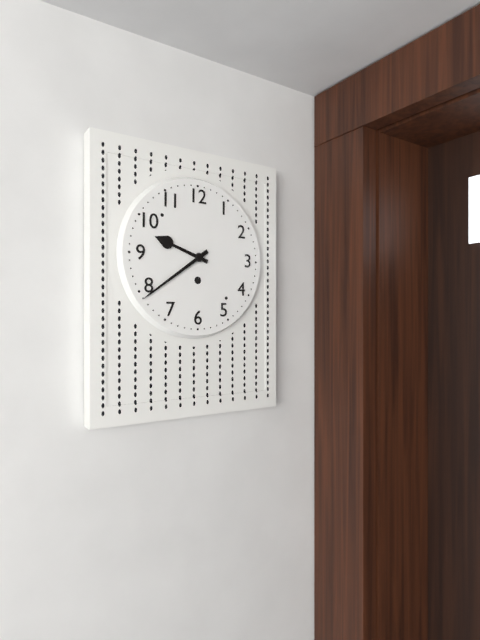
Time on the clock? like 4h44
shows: 9h39
